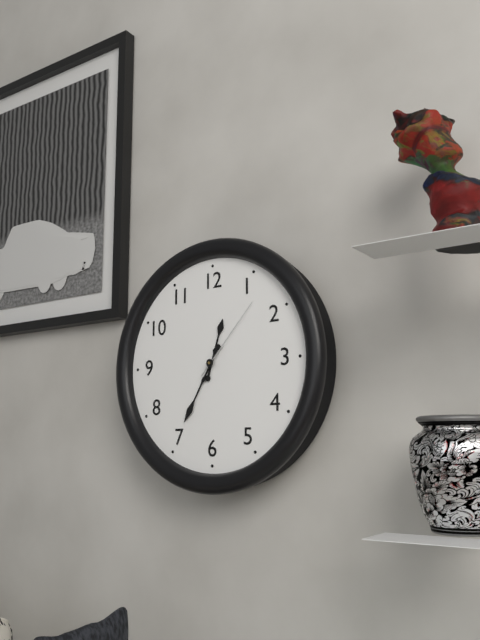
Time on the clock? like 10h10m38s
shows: 12h35m07s
